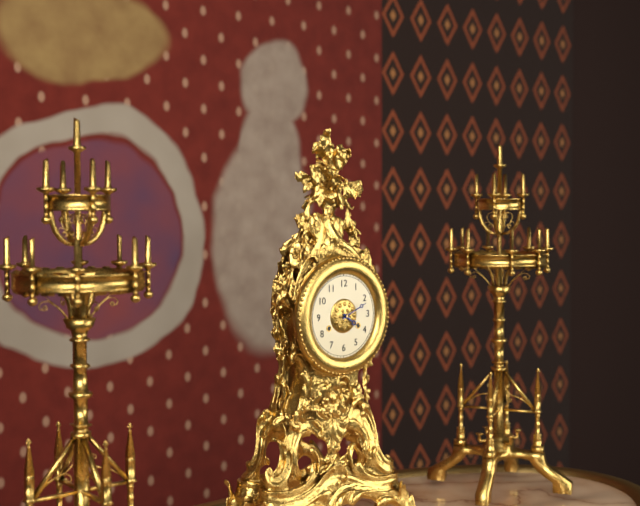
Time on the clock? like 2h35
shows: 4h11
